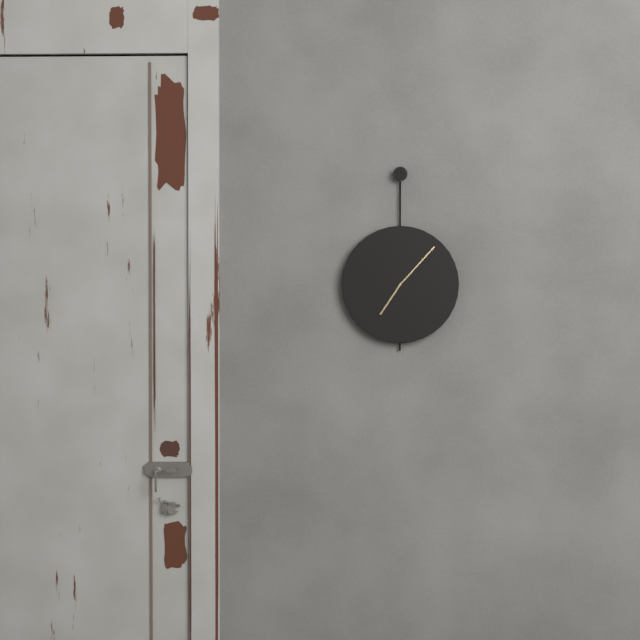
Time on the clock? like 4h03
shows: 7h07
